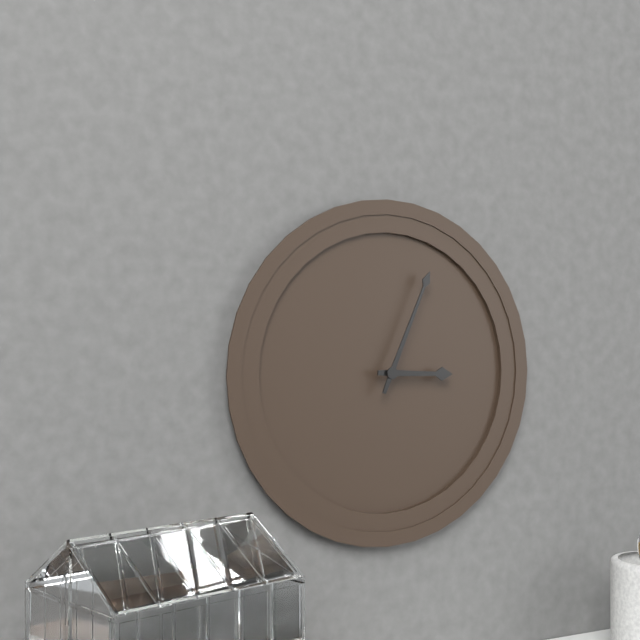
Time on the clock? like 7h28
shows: 3h04
